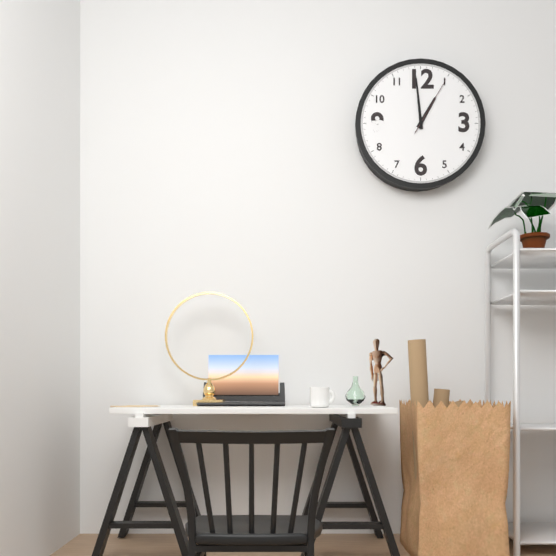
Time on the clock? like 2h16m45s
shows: 12h59m05s
